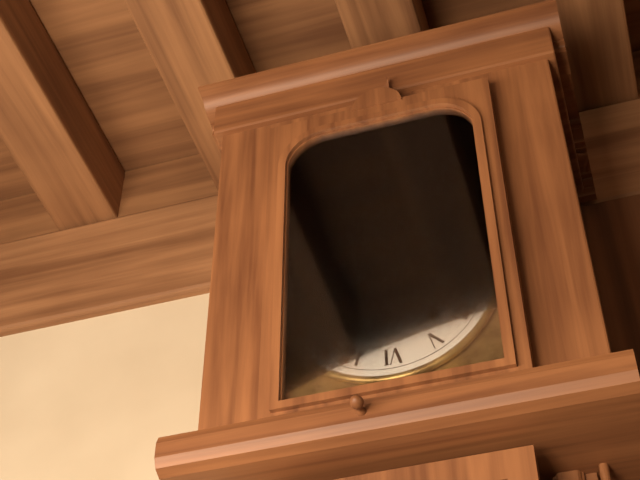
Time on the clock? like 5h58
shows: 11h49
